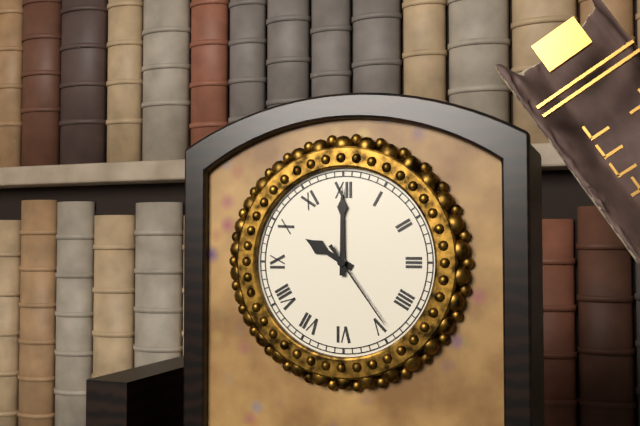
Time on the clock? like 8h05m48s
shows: 10h00m24s
